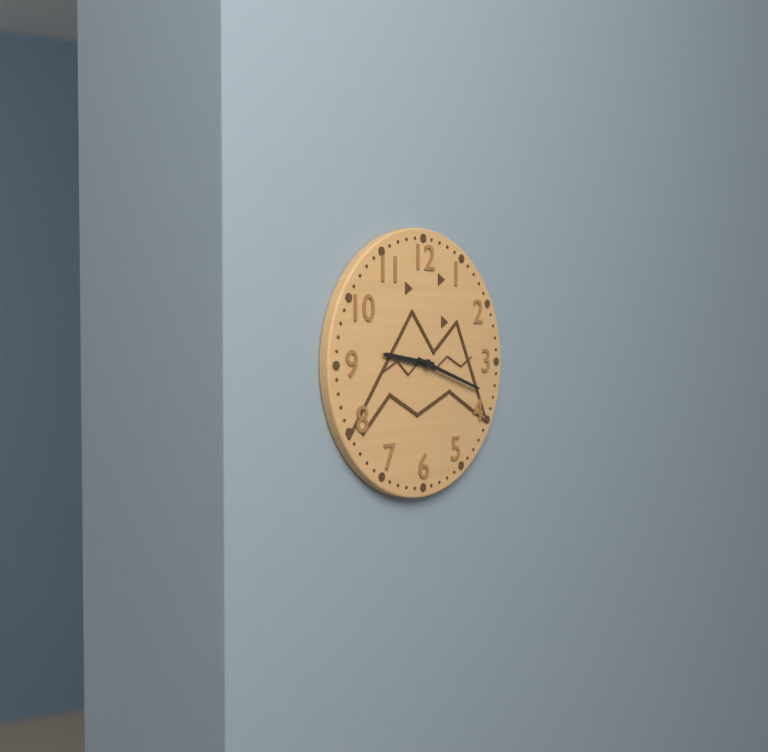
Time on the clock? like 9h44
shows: 9h18
